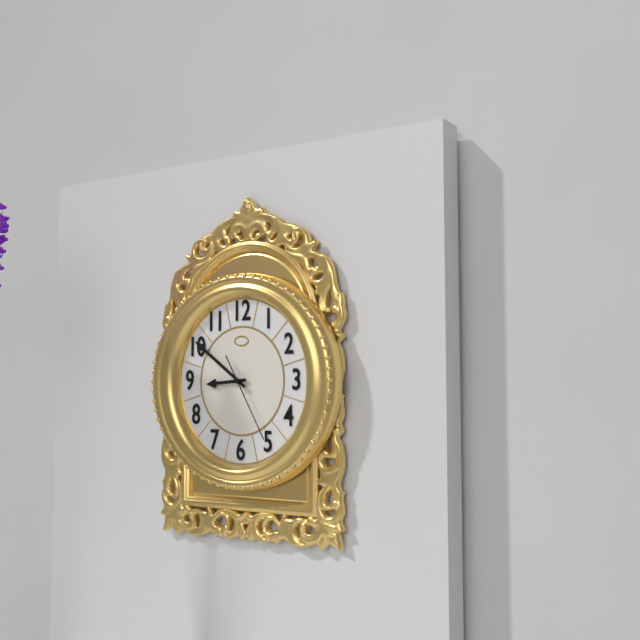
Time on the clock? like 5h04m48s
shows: 8h51m25s
